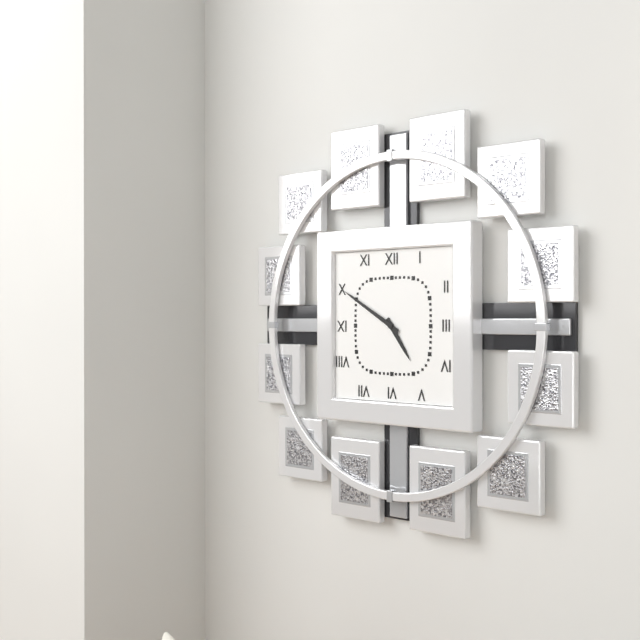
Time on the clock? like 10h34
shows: 4h50
